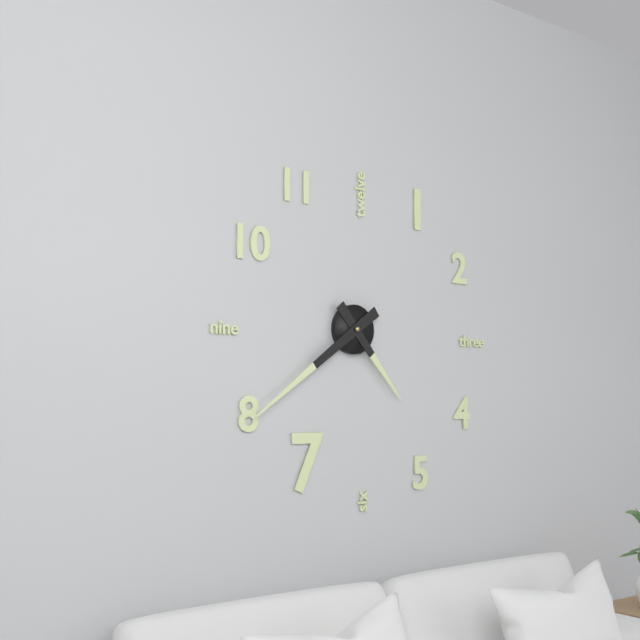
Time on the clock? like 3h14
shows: 4h39
